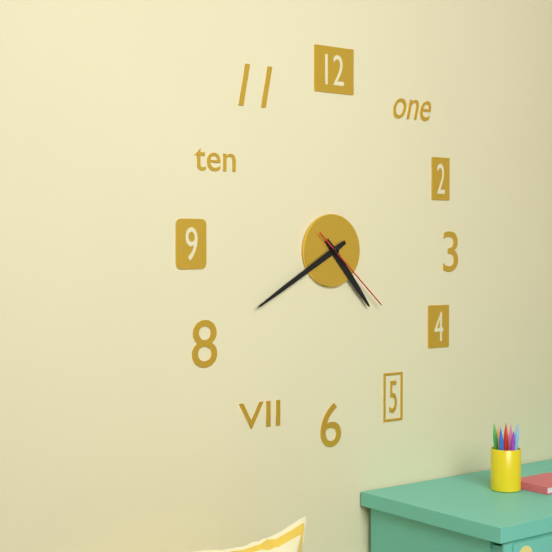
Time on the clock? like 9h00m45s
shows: 4h40m22s
